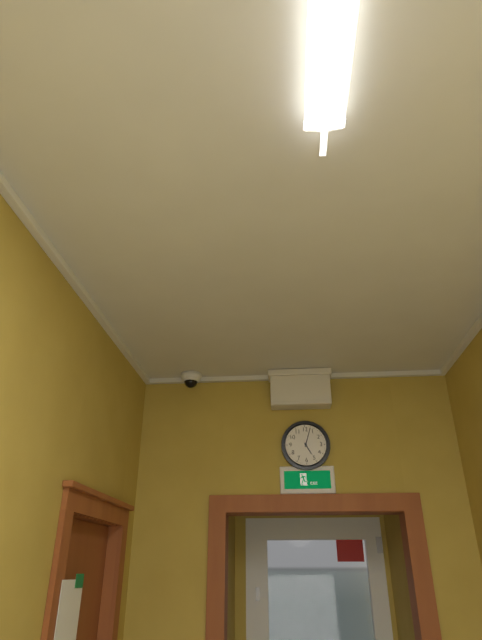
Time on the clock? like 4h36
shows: 5h03
